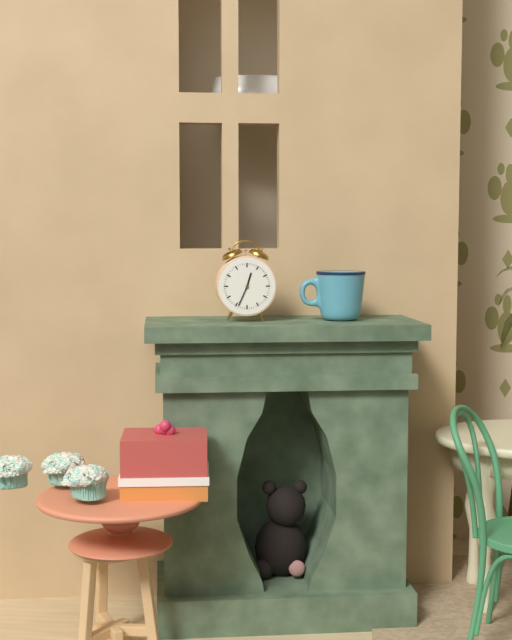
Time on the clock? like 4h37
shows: 12h34
